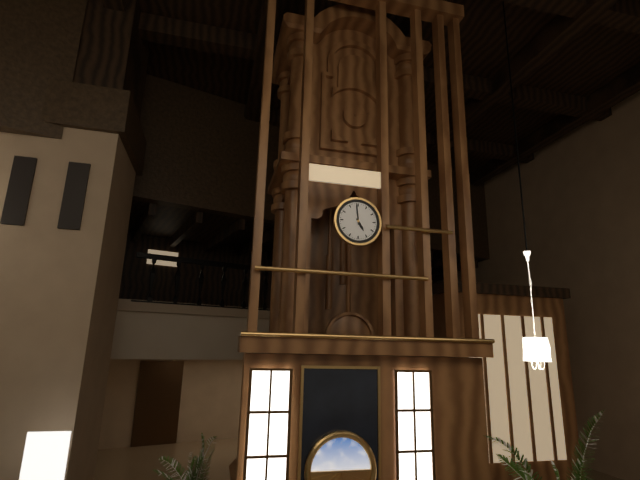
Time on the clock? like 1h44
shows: 4h59
